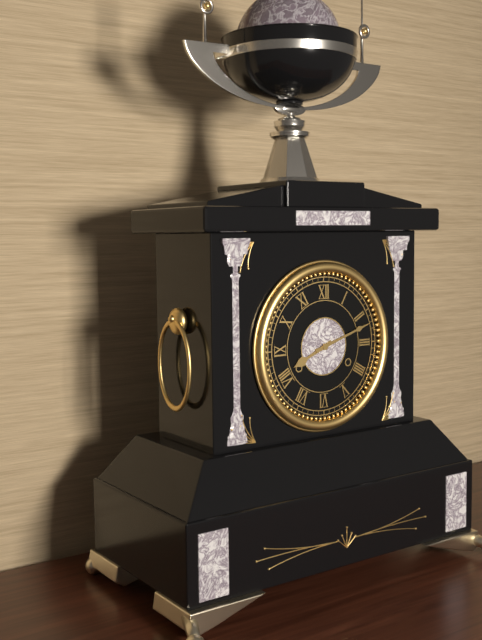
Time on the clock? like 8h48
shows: 8h12
